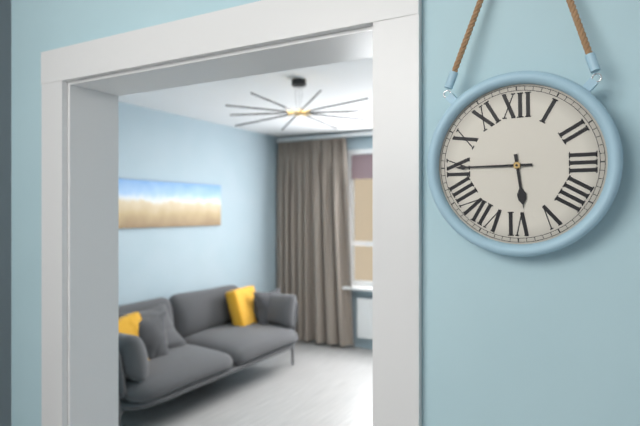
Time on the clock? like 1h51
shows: 5h45
